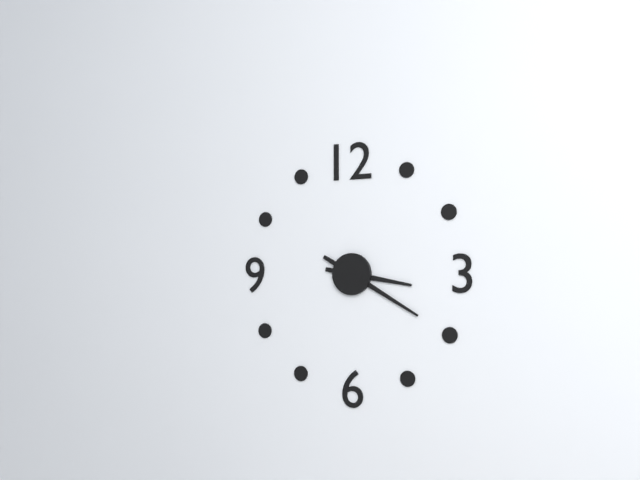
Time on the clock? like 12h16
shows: 3h20
